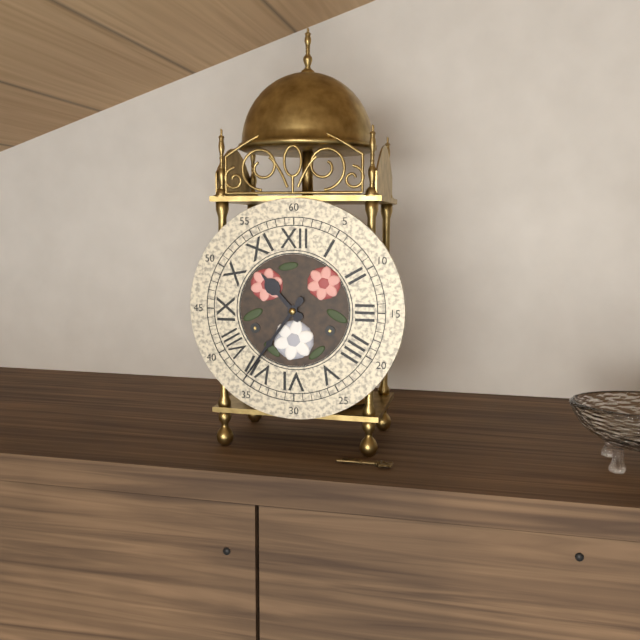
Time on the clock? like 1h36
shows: 10h36
